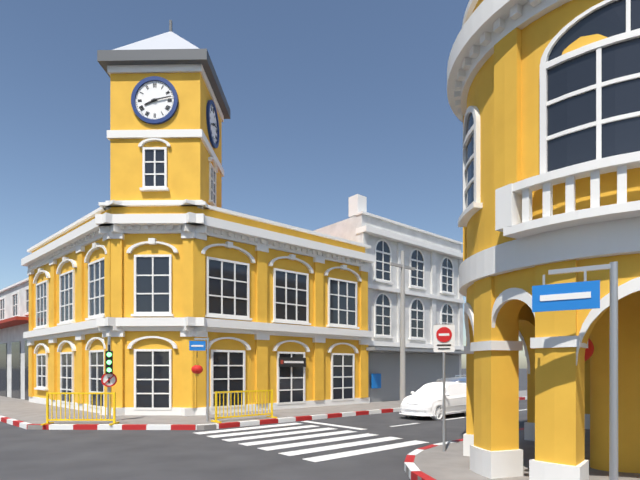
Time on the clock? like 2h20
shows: 8h13
